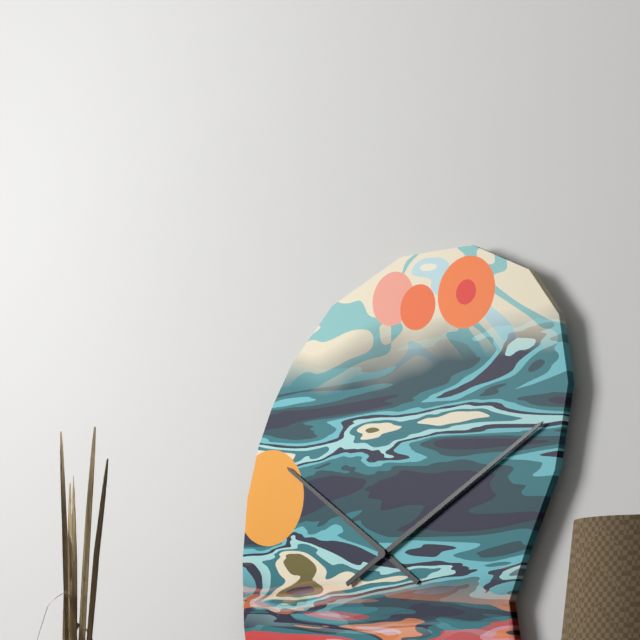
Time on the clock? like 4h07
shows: 10h10
